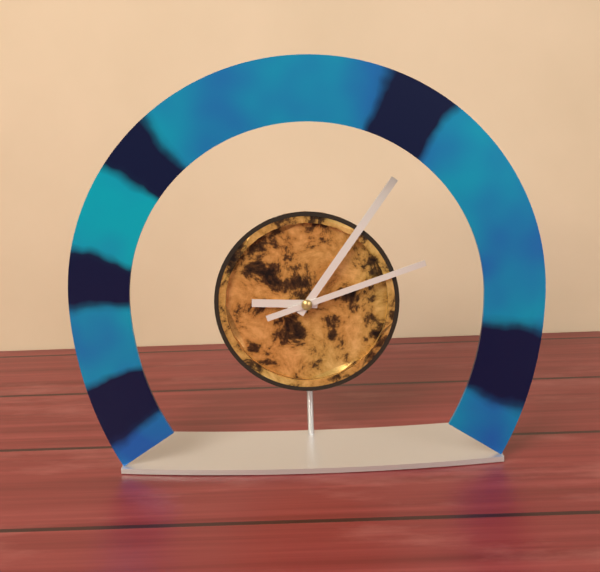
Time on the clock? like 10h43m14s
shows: 9h06m12s
